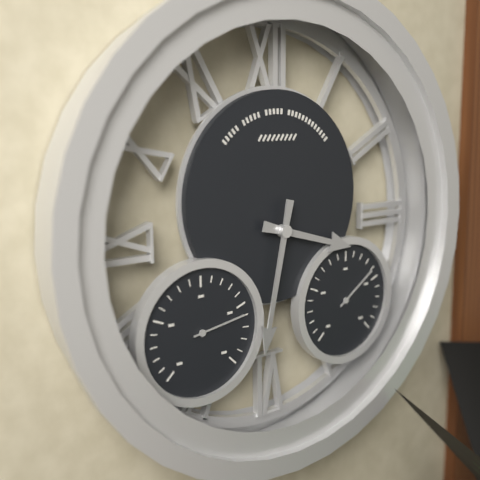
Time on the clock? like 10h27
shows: 3h32
